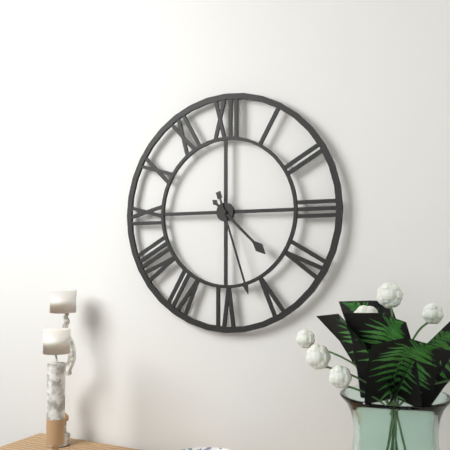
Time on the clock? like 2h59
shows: 4h27
